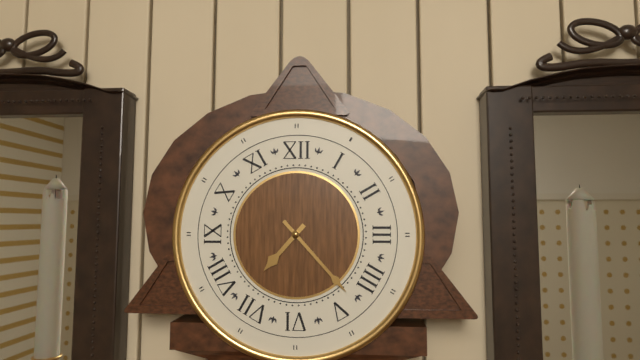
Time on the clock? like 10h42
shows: 7h23
